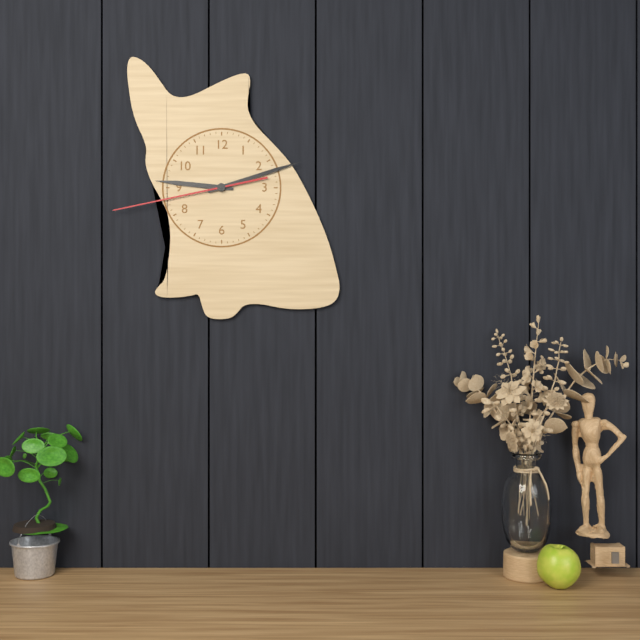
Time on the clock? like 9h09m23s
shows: 9h12m43s
